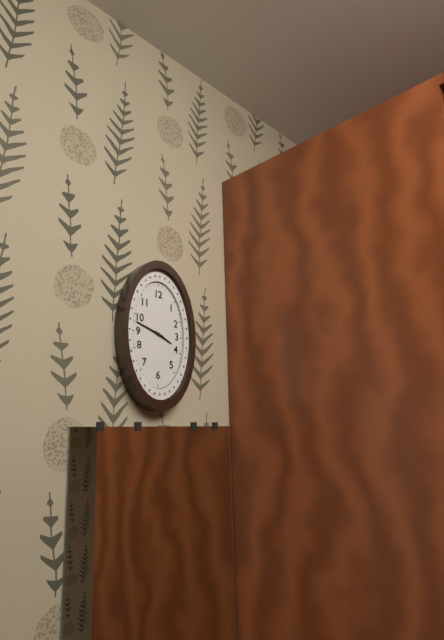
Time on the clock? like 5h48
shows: 3h48
